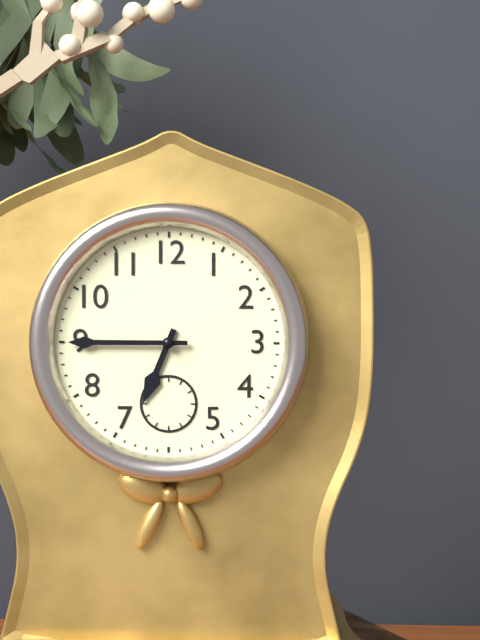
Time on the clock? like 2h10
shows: 6h45
